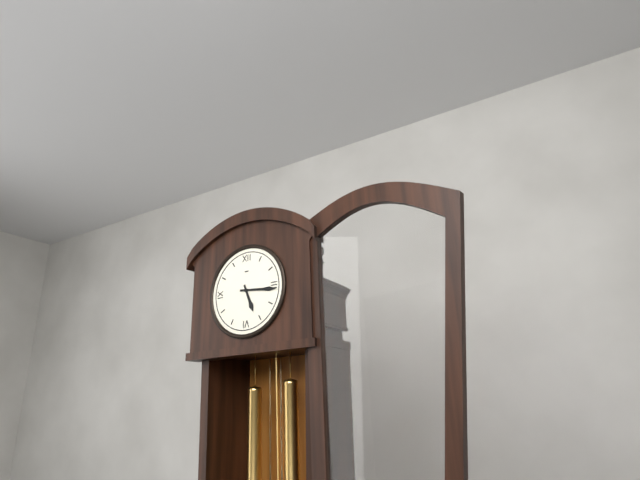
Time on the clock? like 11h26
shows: 5h16
